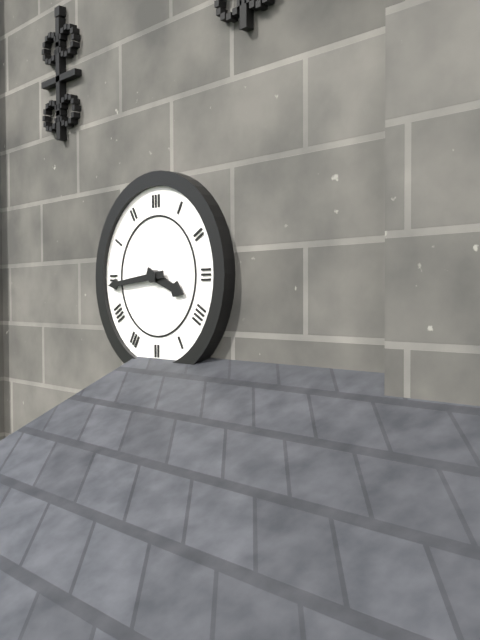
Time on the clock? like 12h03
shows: 3h44
